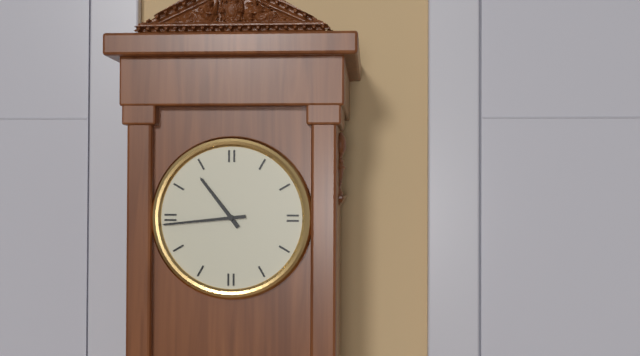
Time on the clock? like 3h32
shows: 10h44
